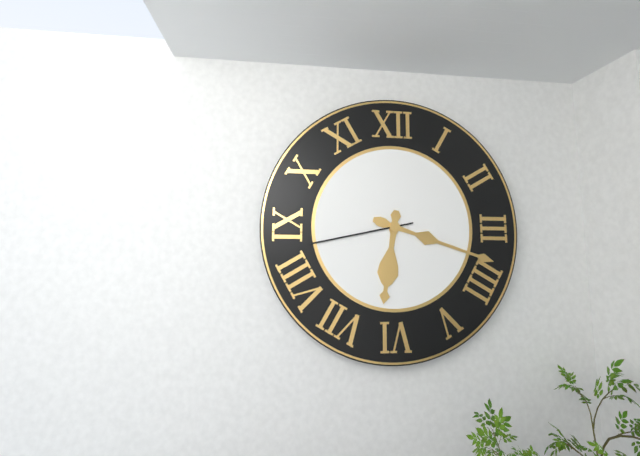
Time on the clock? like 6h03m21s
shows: 6h18m43s
